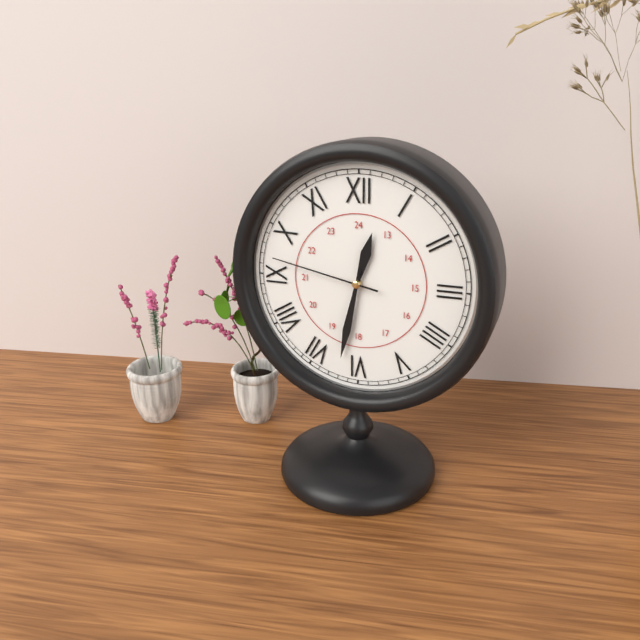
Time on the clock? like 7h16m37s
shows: 12h32m47s
